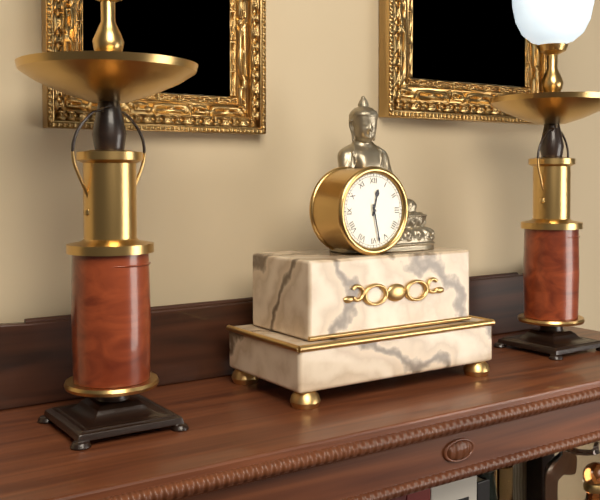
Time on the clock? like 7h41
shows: 12h28
